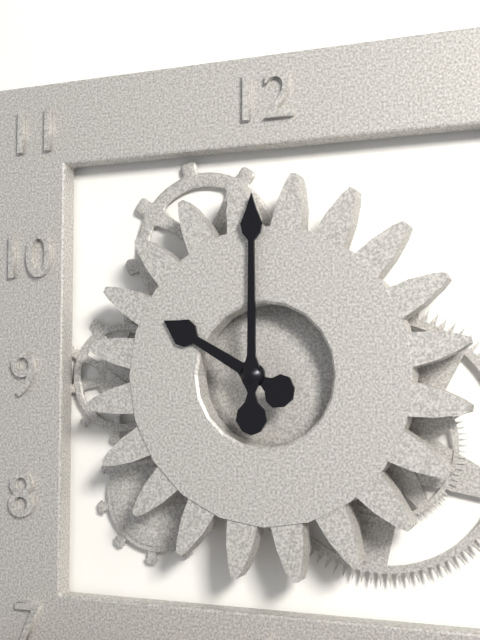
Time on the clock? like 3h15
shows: 10h00
